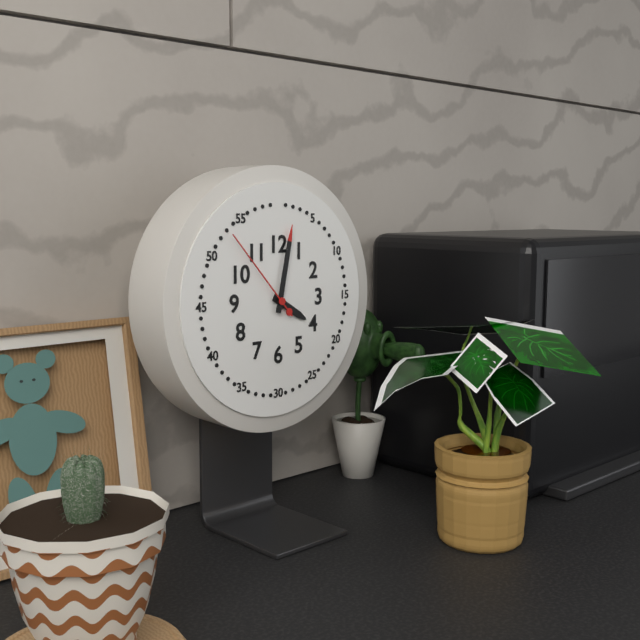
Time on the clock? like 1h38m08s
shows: 4h02m53s
